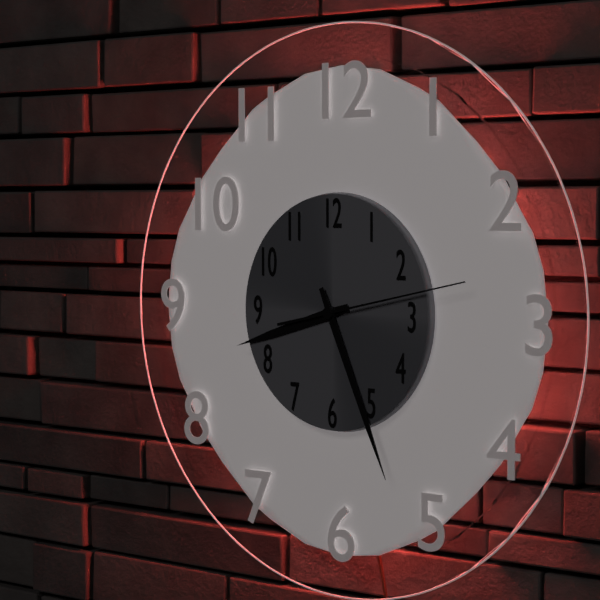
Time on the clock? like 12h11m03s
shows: 8h26m13s
